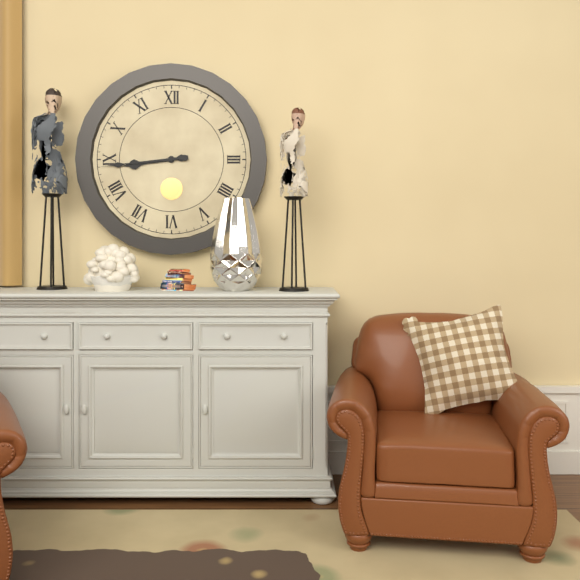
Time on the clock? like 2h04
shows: 8h44
